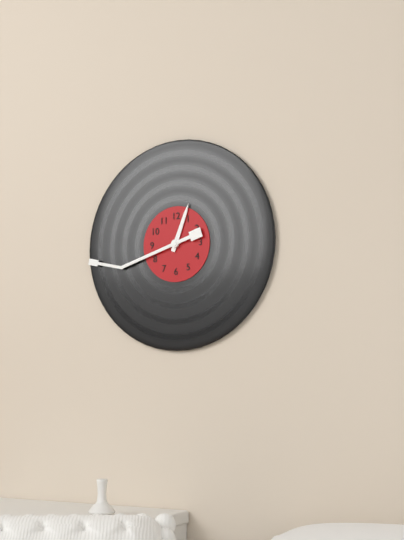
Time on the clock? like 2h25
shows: 12h42
